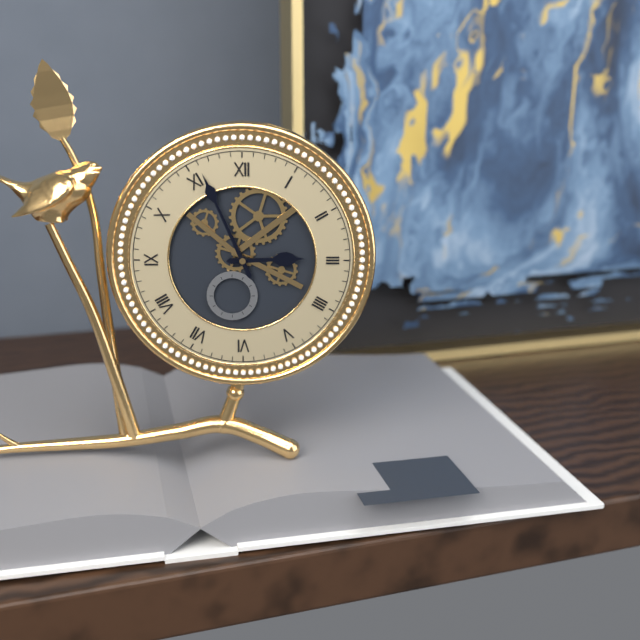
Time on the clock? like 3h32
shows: 2h56
